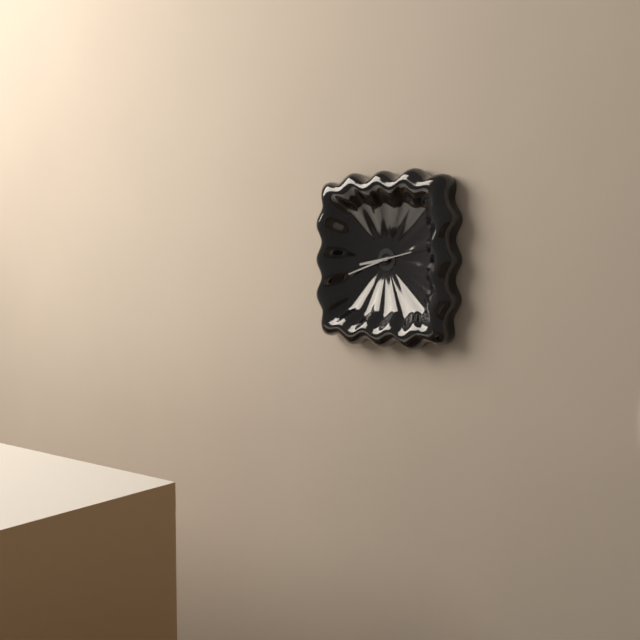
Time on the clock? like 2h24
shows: 8h42
